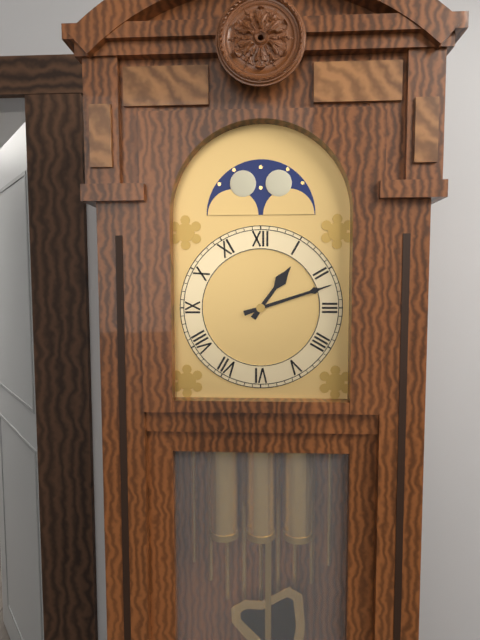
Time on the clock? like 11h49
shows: 1h12
